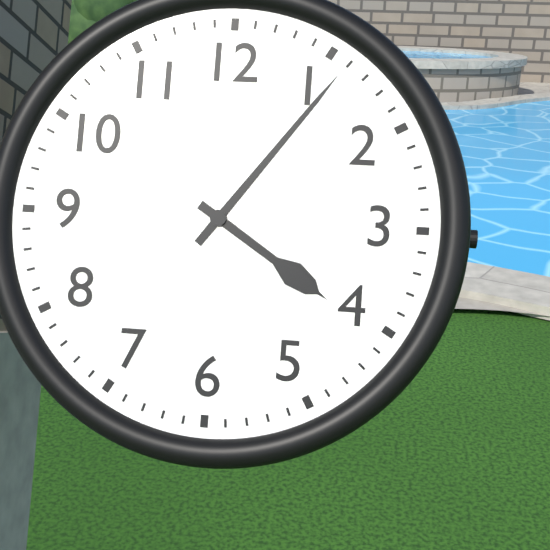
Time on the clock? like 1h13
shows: 4h06
